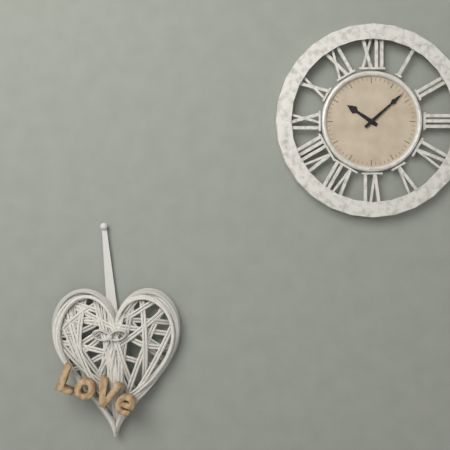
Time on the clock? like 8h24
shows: 10h08
